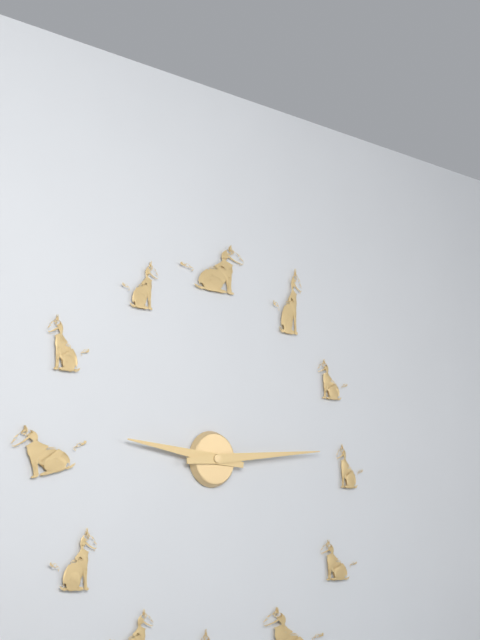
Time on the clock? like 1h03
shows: 9h14
